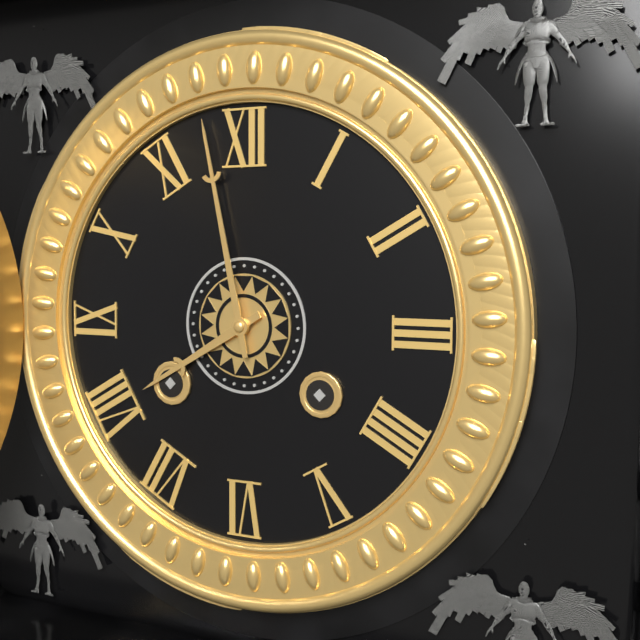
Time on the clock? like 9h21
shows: 7h58
